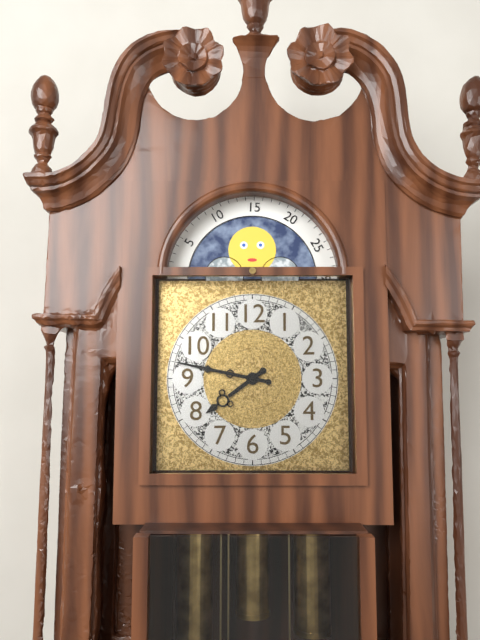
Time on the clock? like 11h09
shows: 7h47
